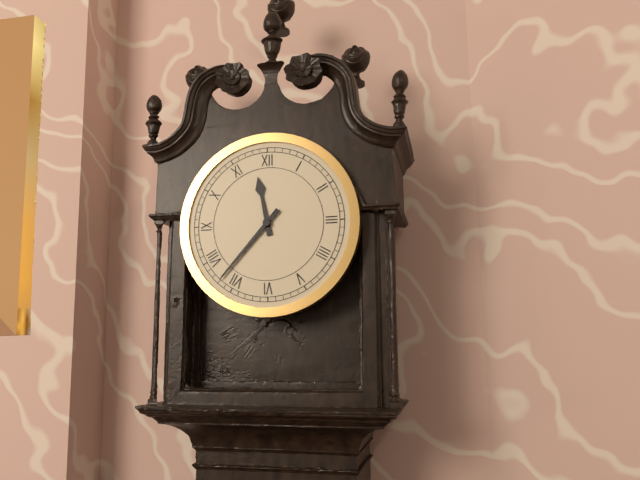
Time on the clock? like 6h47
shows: 11h37
